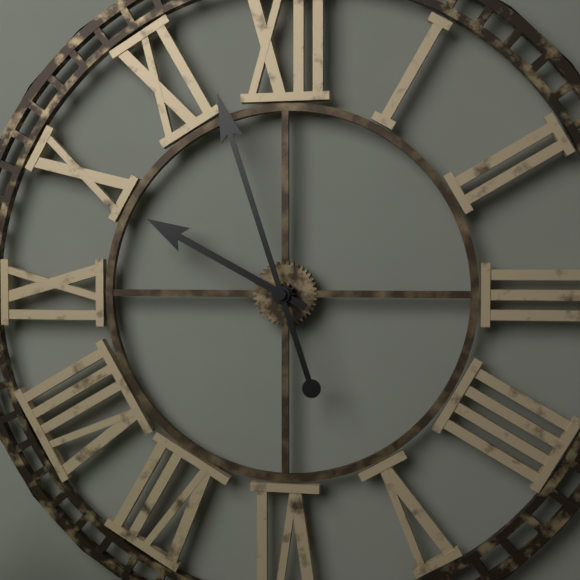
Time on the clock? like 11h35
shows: 9h57
